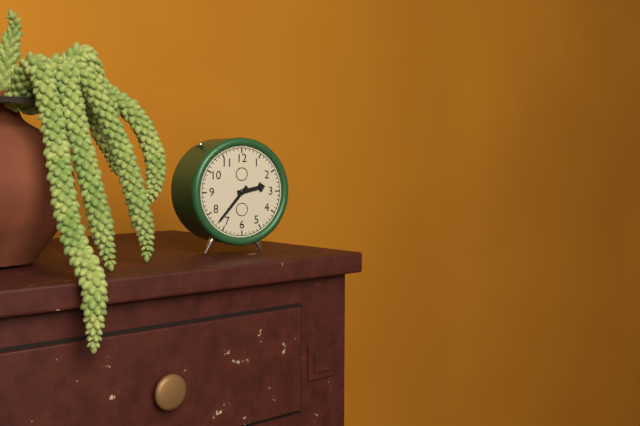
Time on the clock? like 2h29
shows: 2h37
